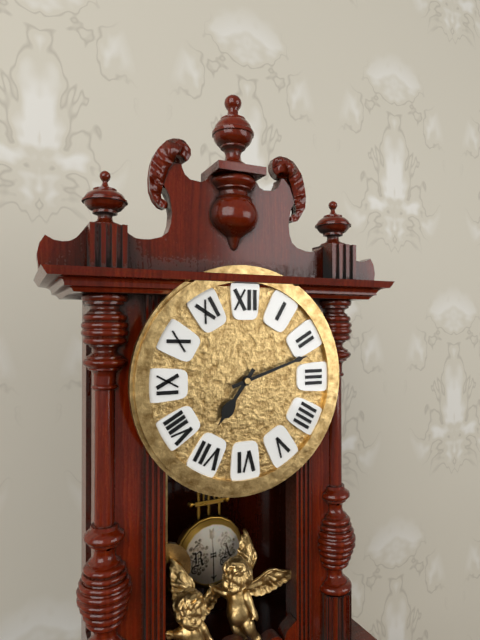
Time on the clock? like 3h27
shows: 7h12
